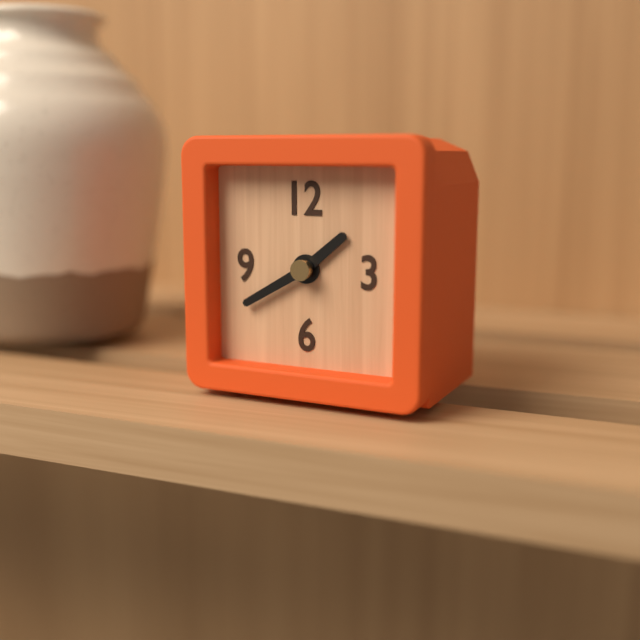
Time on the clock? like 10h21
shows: 1h40
